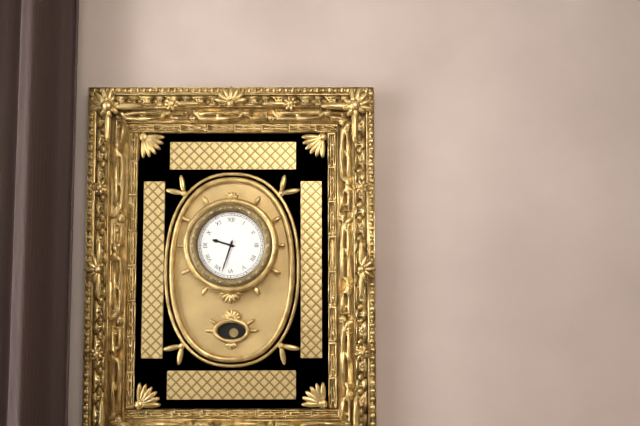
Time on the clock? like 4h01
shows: 9h33
